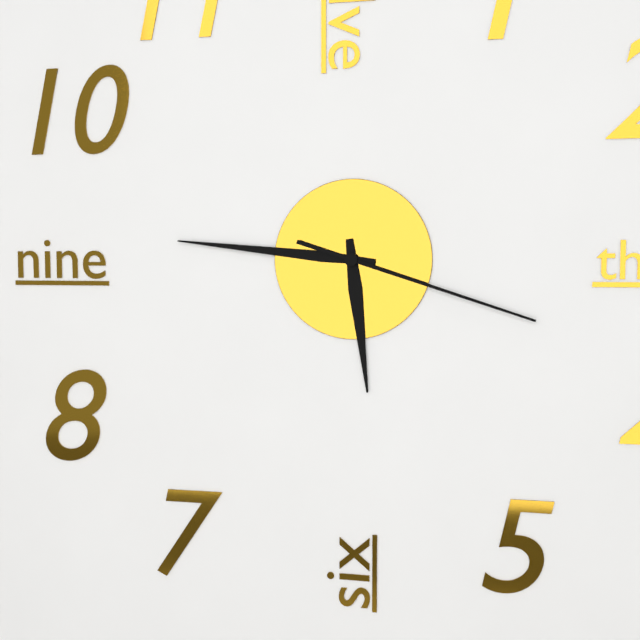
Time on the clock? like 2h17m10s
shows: 5h46m18s
